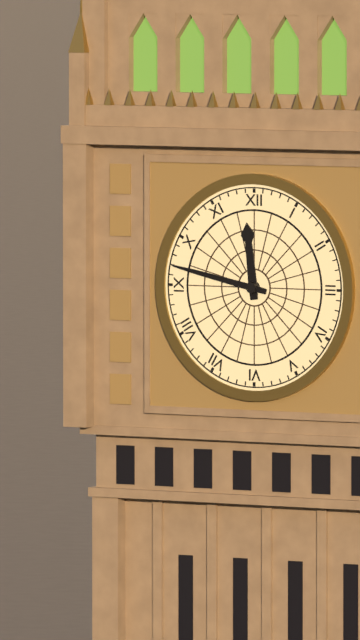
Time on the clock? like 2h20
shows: 11h47
